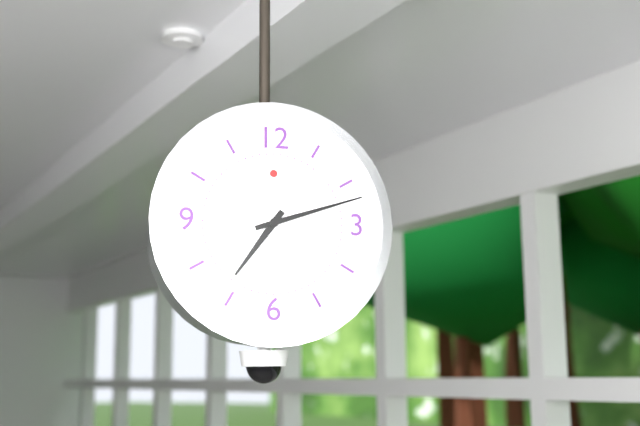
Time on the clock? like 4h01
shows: 7h12
